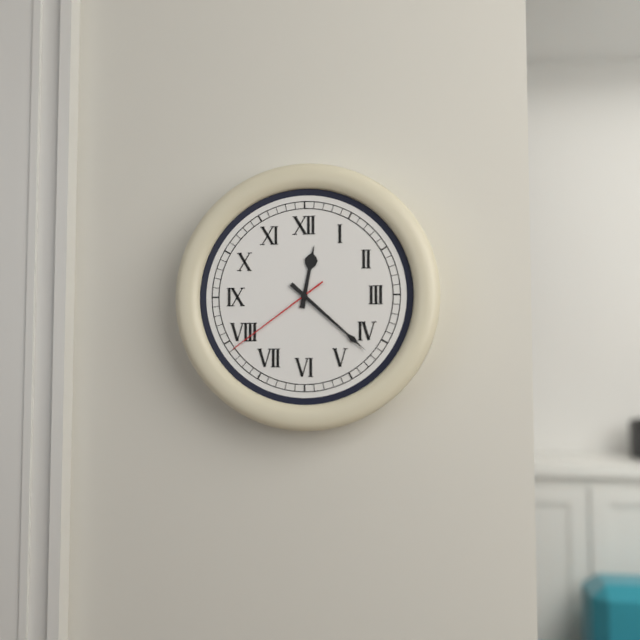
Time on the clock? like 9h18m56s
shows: 12h22m39s
